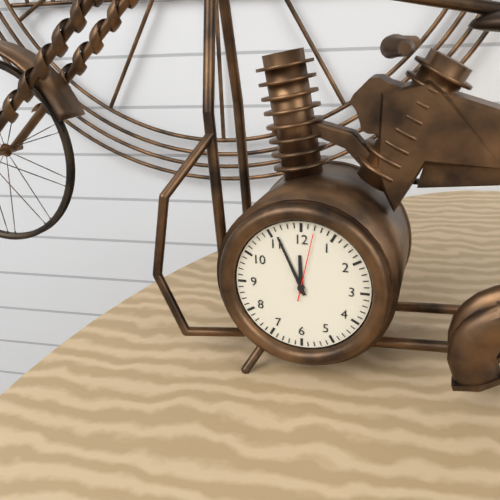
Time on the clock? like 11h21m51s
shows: 11h56m02s
